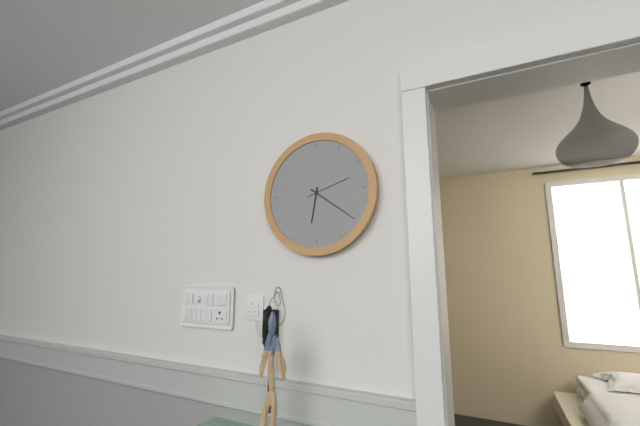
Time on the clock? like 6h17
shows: 6h21
